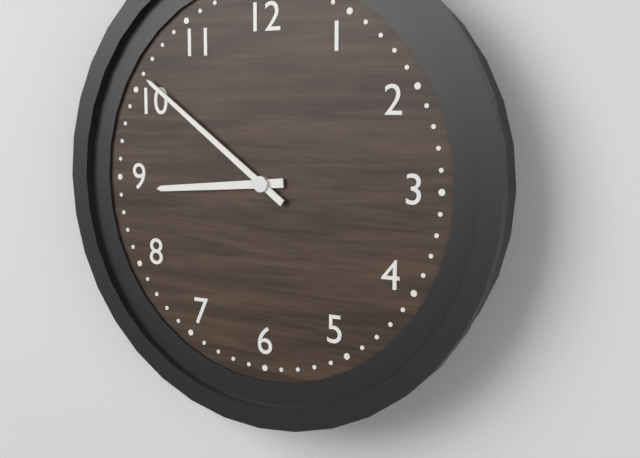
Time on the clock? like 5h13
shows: 8h51
